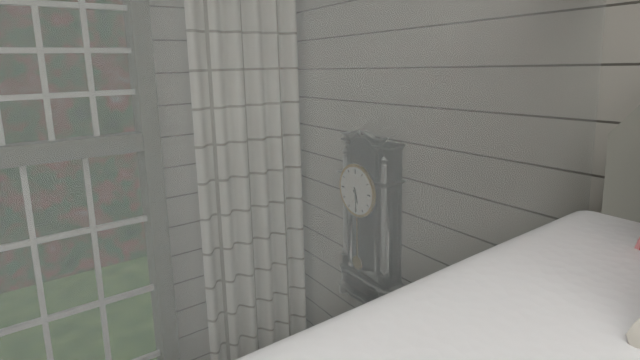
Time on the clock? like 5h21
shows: 5h29
